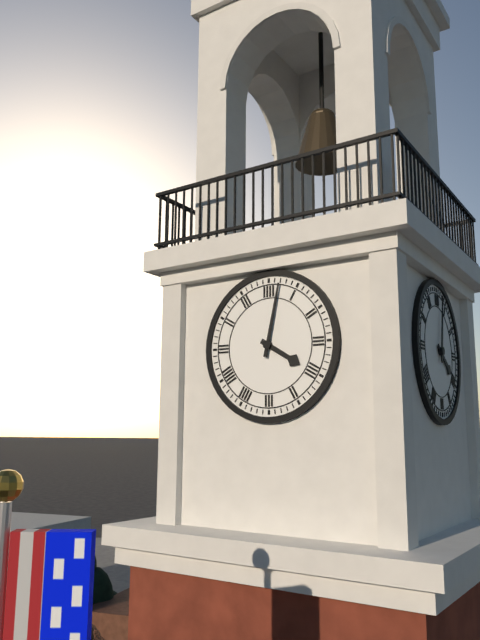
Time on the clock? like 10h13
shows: 4h02
